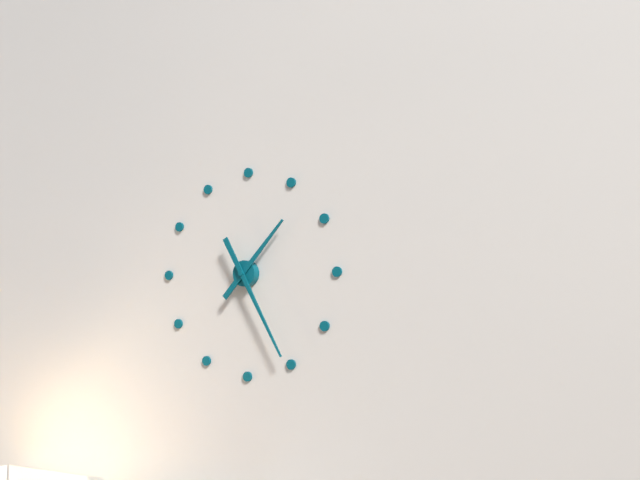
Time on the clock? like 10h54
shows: 1h25
